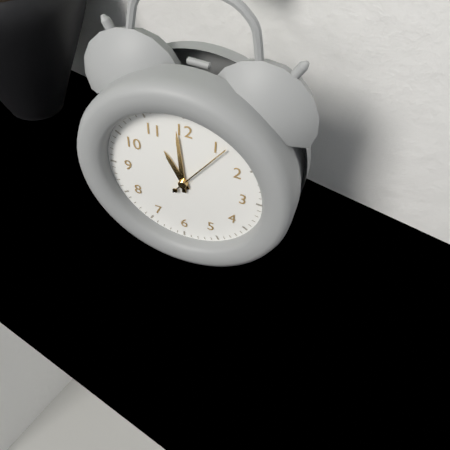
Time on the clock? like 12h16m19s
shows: 10h59m06s
